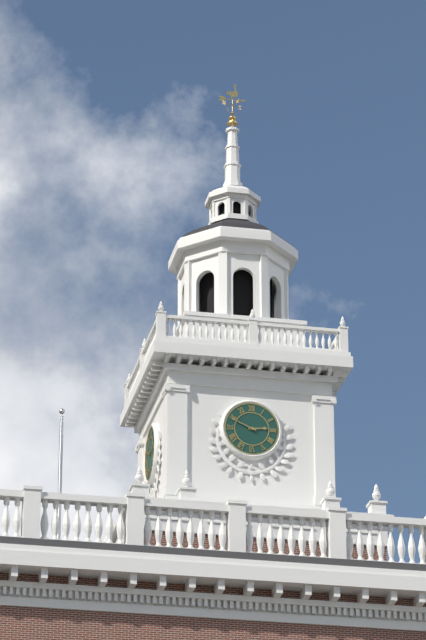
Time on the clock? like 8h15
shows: 2h49
